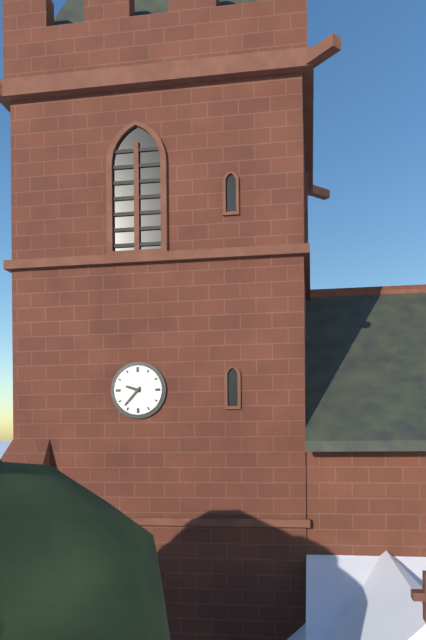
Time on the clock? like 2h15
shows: 9h37
